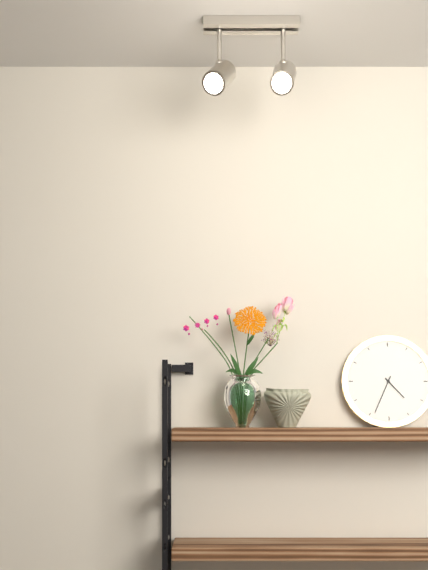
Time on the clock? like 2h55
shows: 4h34
